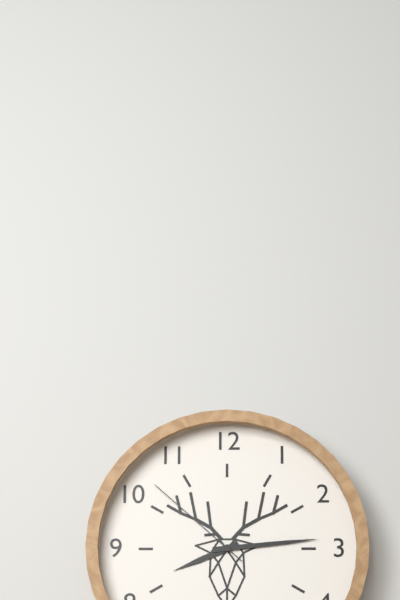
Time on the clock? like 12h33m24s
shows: 8h14m52s
